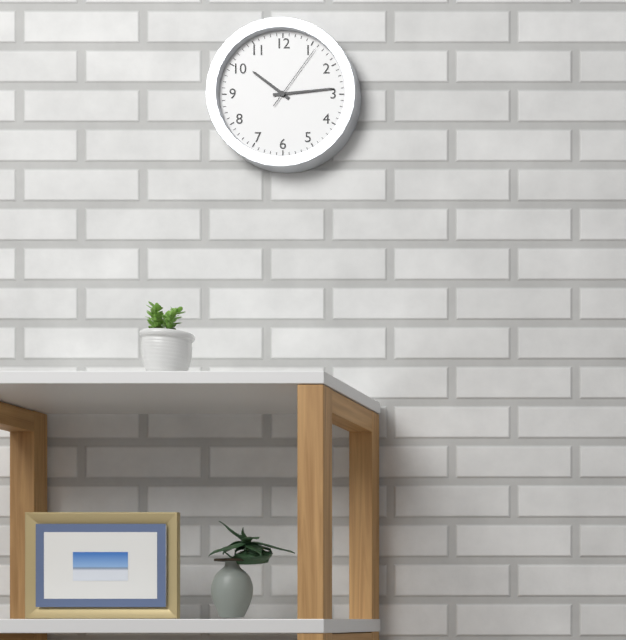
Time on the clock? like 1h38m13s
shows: 10h14m06s
